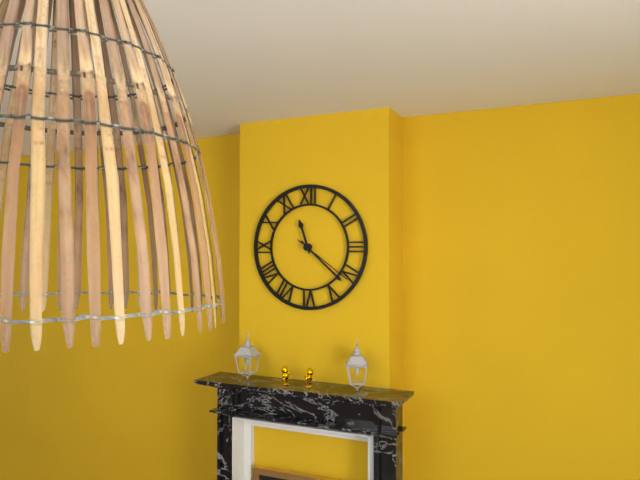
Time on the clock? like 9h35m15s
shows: 11h22m21s
